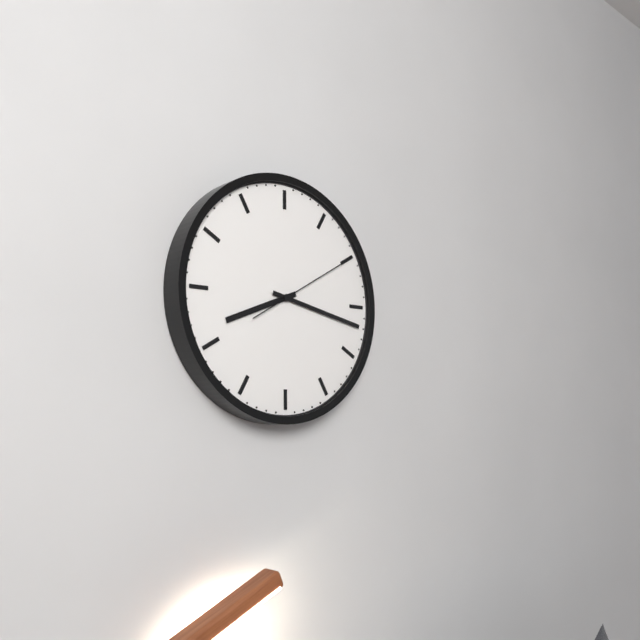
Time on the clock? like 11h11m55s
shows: 8h17m10s
